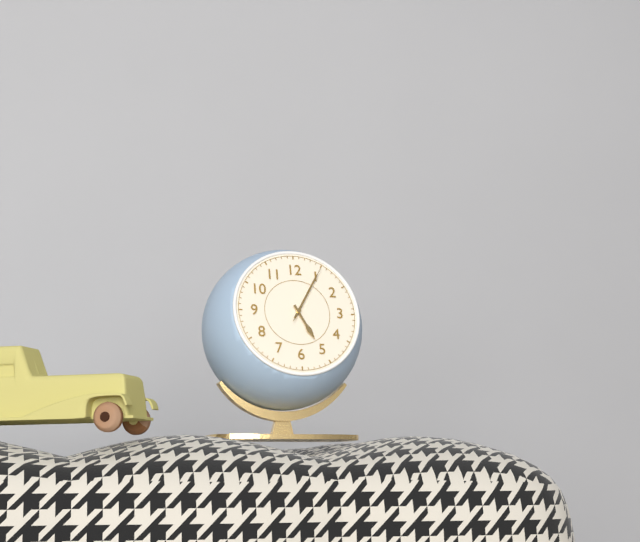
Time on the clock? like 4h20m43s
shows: 5h05m05s
